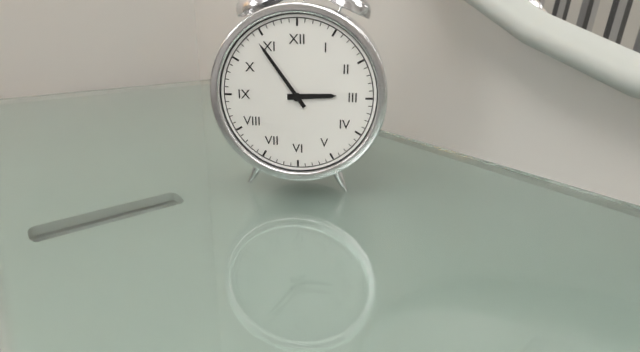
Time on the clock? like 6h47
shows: 2h54
